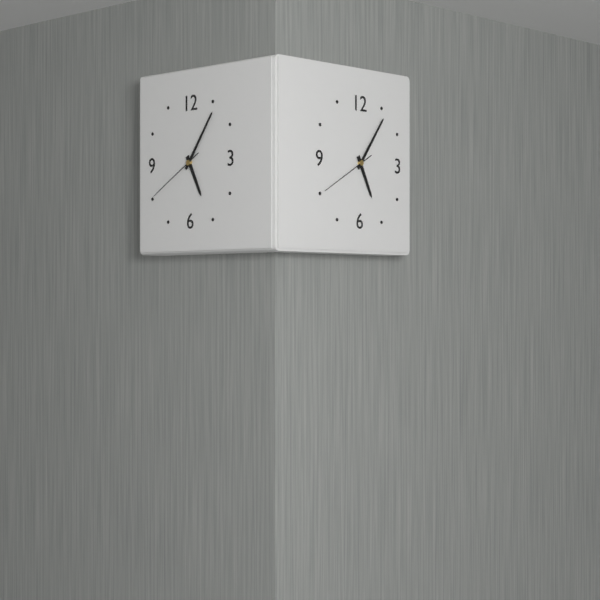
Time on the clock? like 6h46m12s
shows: 5h06m40s
